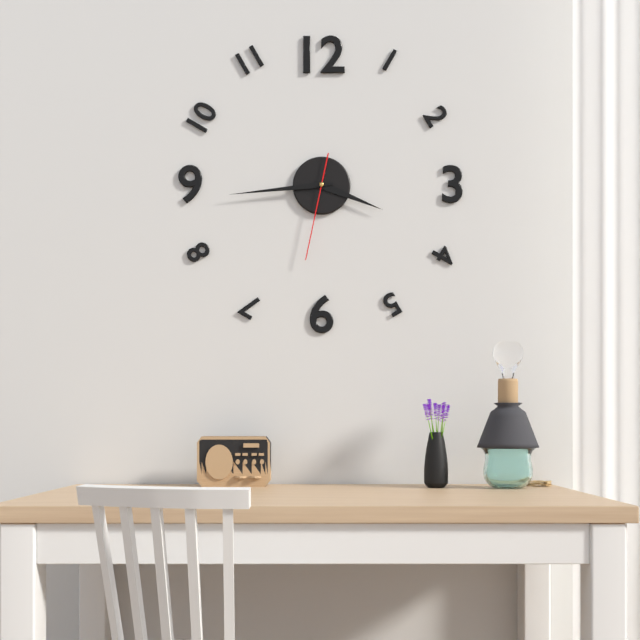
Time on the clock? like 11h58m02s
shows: 3h44m32s
